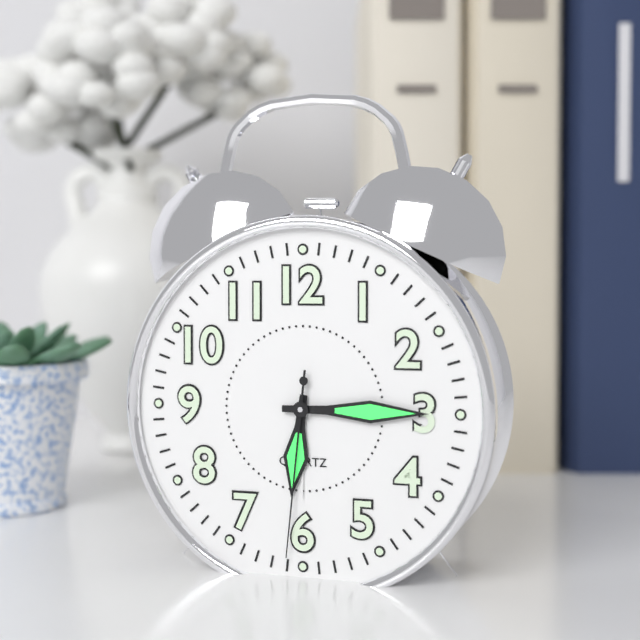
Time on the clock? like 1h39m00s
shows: 6h15m31s
